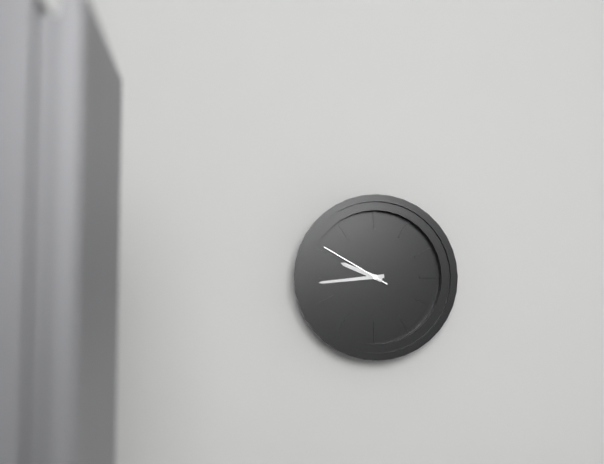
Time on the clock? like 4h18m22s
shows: 9h44m50s
